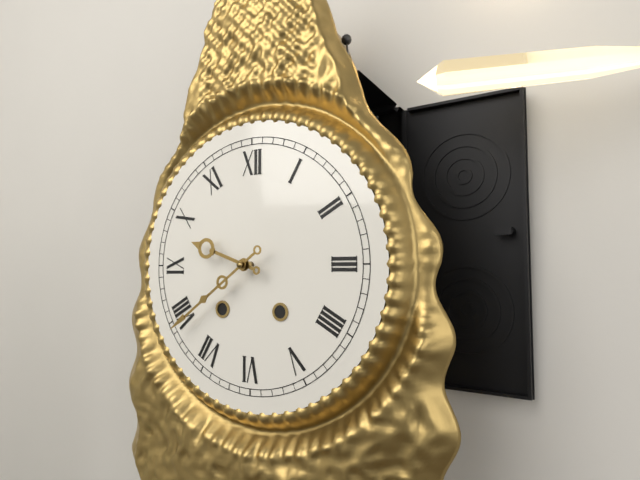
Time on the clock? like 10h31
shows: 9h39
